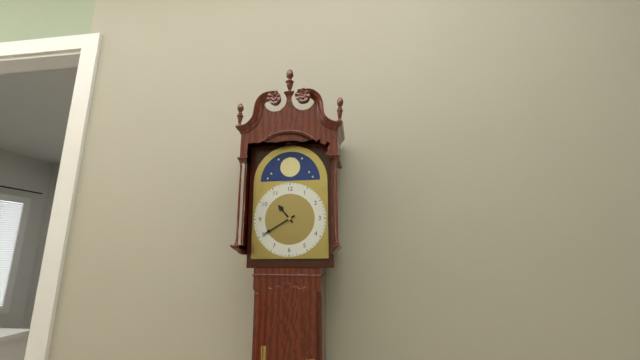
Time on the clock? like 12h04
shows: 10h40
